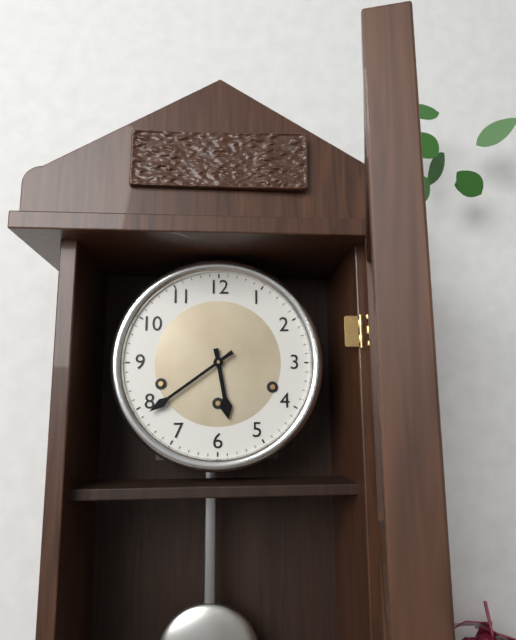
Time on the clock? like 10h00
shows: 5h39
